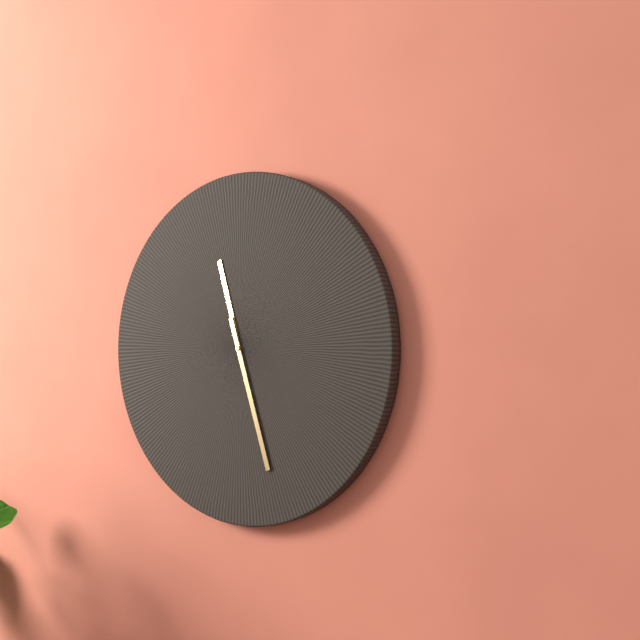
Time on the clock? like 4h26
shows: 11h27
